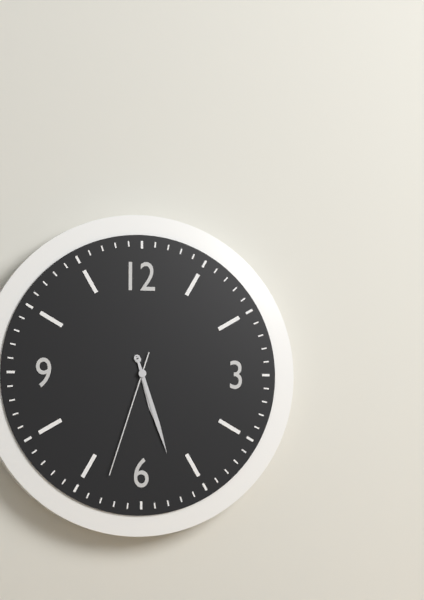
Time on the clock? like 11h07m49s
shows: 5h27m33s
